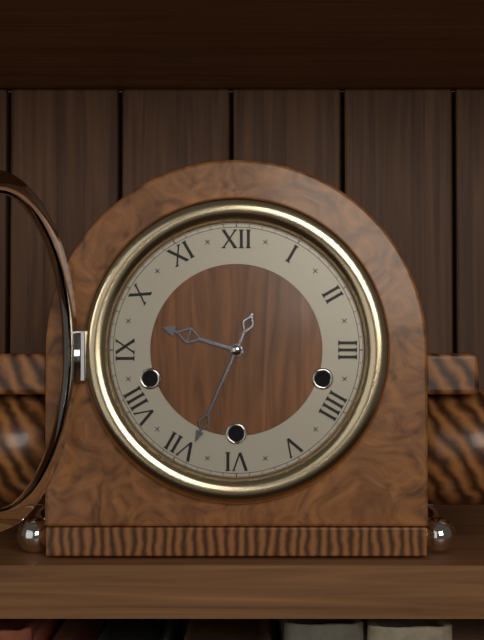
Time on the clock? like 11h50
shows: 9h34
